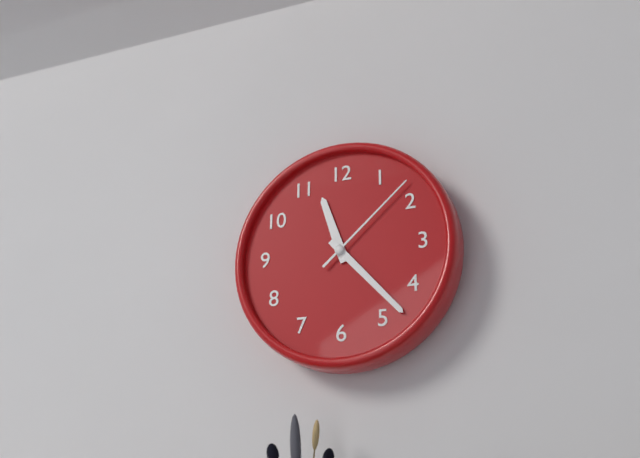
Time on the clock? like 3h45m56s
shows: 11h23m08s
